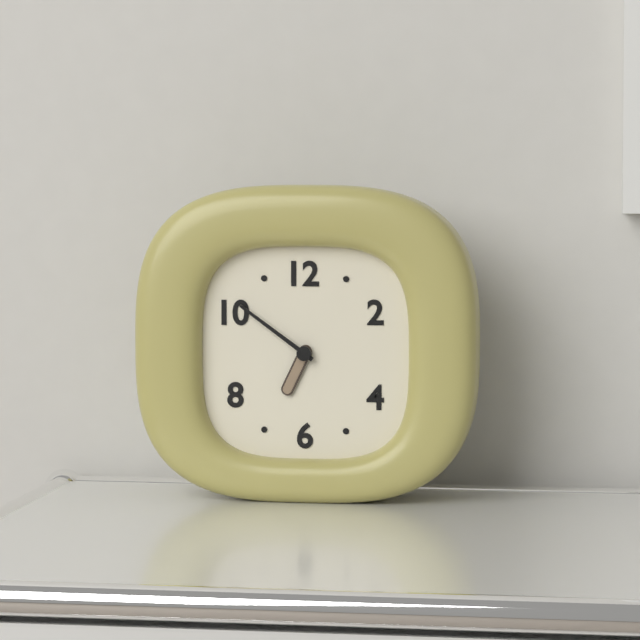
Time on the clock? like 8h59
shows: 6h51
